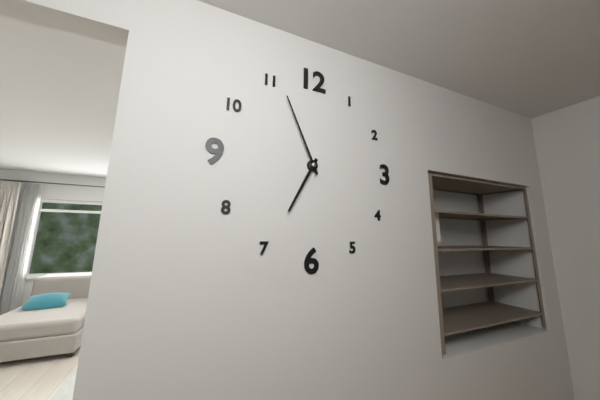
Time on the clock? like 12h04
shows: 6h56
